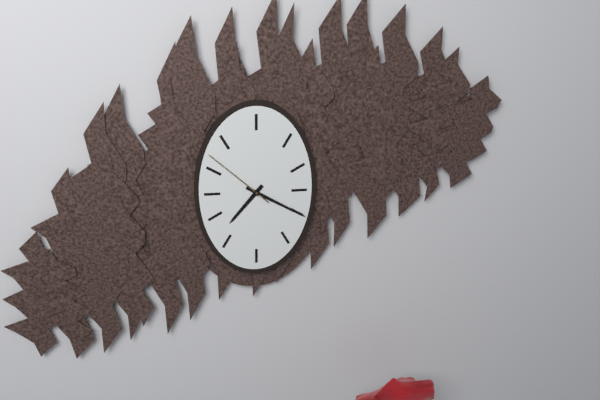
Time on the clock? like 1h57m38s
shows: 7h20m52s
